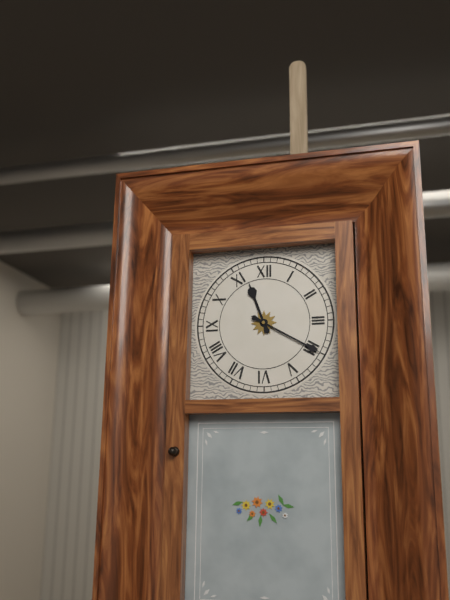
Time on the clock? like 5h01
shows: 11h20
